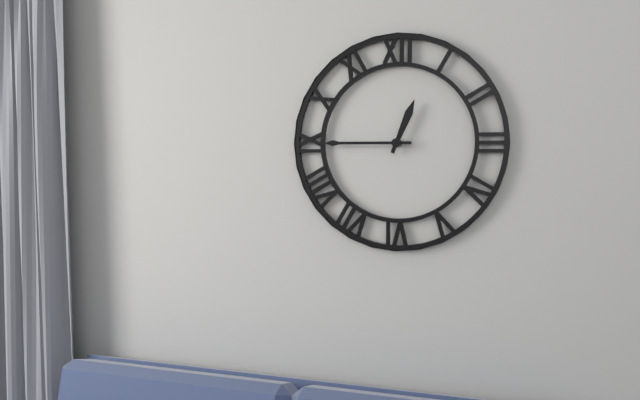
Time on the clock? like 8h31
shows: 12h45
